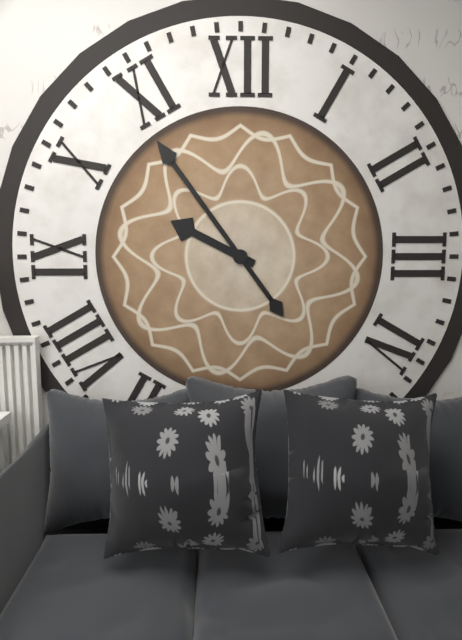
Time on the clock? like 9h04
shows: 9h54
